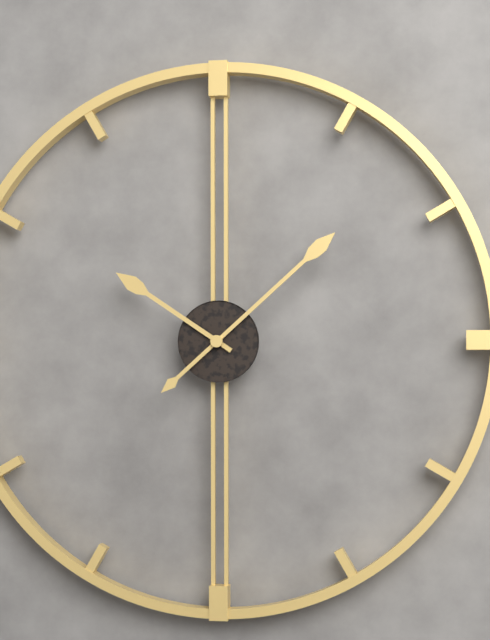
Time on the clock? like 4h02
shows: 10h08
